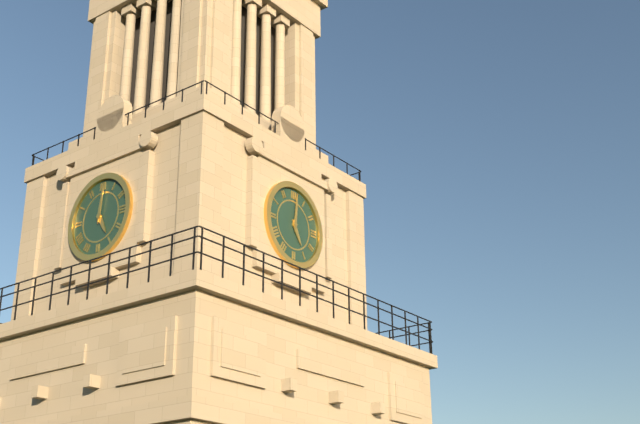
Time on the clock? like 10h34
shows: 5h01
